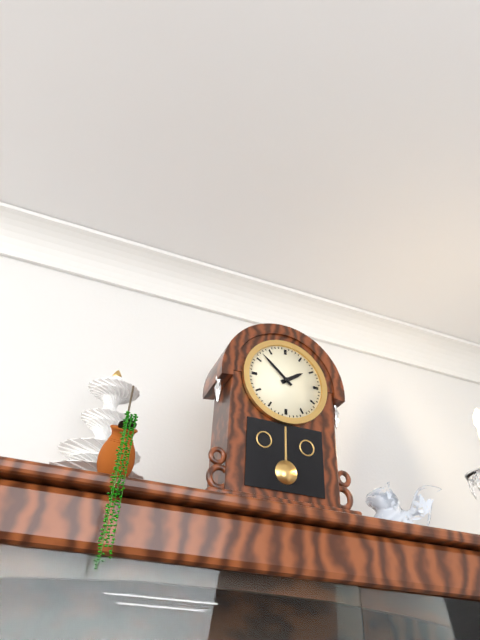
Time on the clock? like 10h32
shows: 1h52
